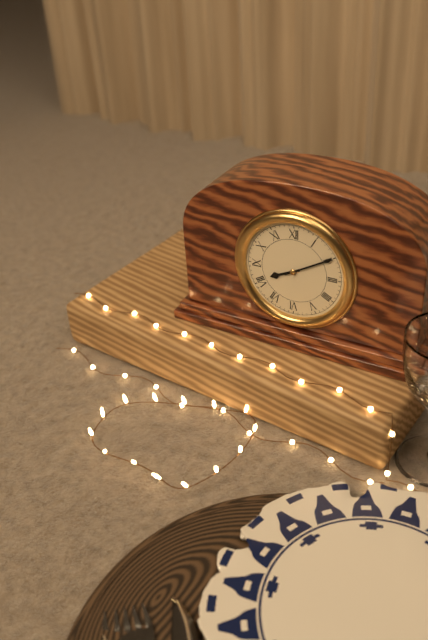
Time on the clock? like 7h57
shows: 8h10
